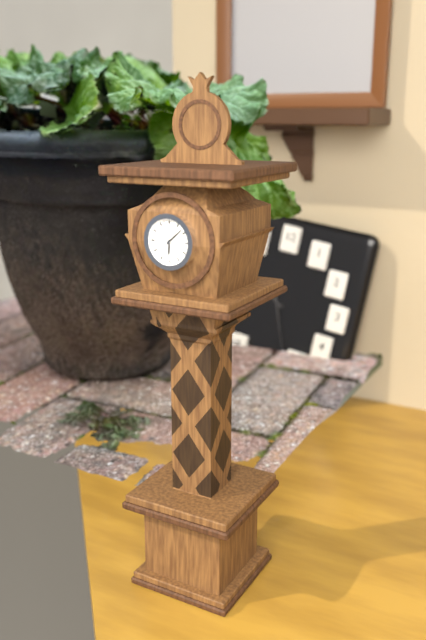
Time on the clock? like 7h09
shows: 6h08
